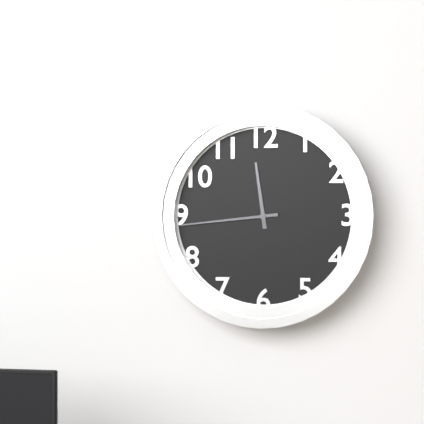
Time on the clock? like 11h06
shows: 11h44
